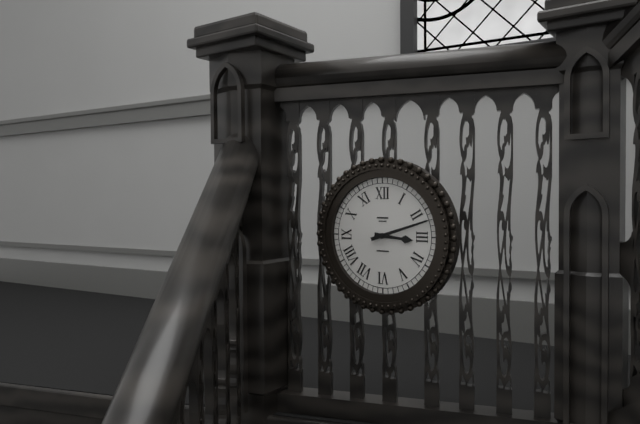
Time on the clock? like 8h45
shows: 3h12
